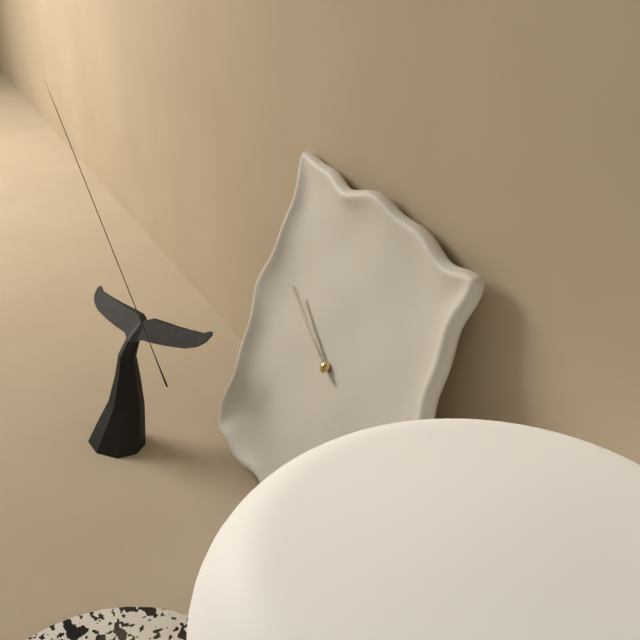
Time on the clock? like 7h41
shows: 9h48
